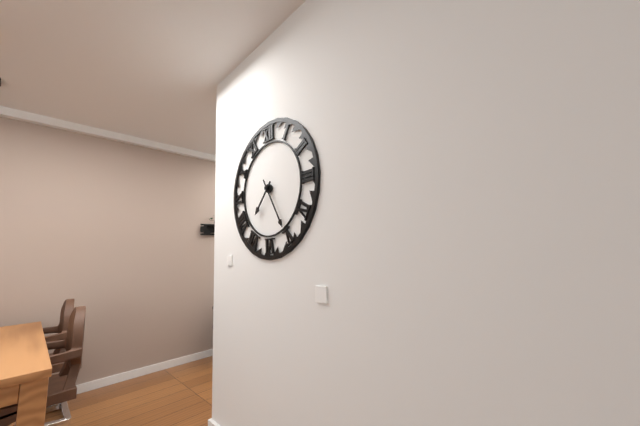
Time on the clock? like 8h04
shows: 7h25
